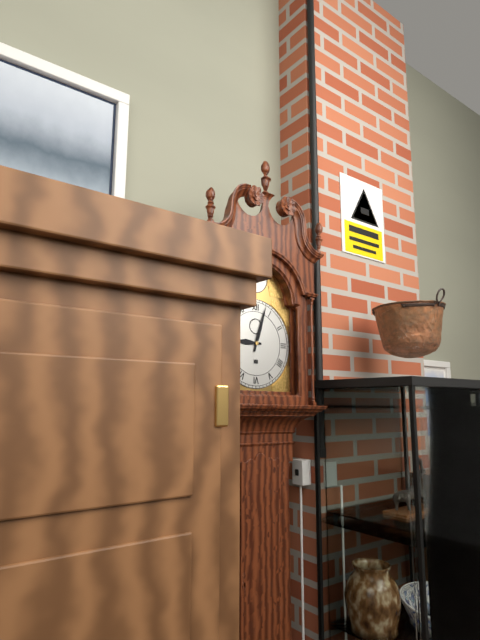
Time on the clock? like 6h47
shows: 9h03
